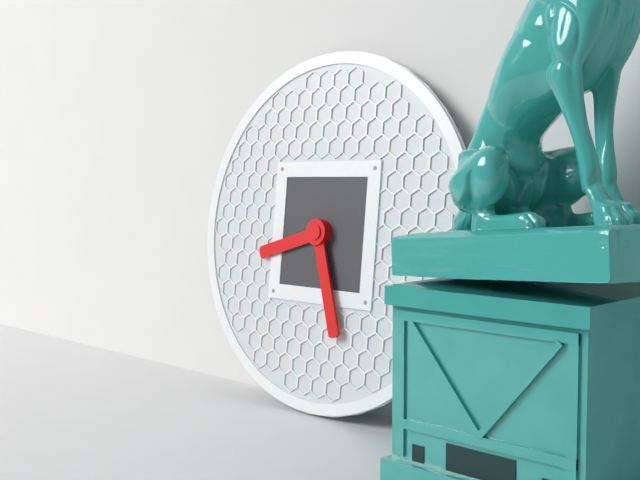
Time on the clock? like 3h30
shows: 8h27
